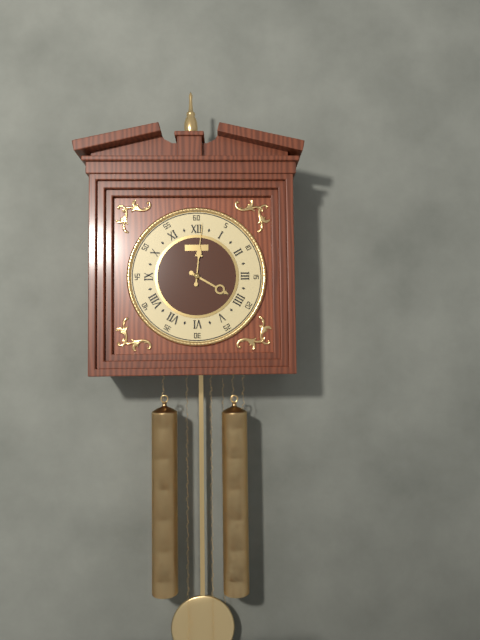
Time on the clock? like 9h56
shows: 4h01
